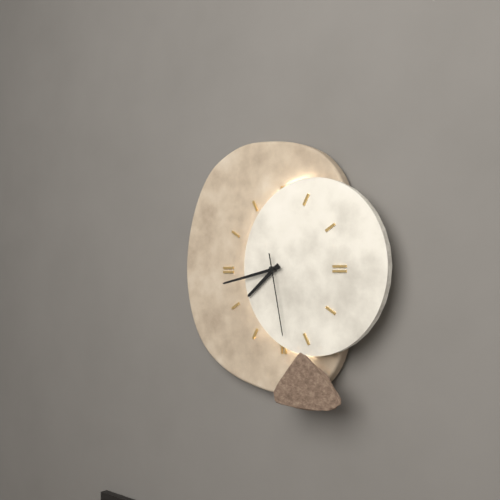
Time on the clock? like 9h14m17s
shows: 7h43m28s
